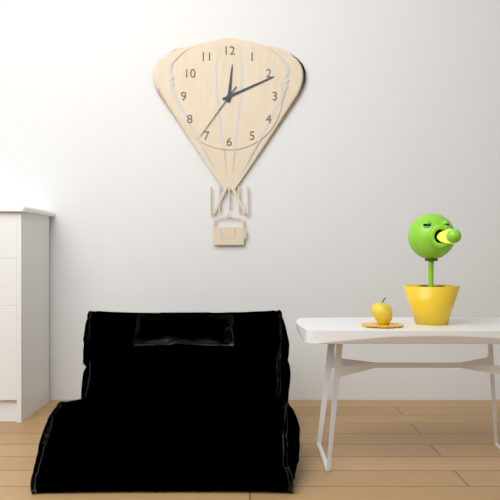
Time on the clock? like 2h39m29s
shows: 12h11m36s
